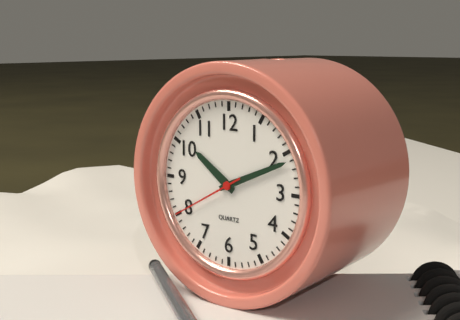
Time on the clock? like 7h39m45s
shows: 10h11m40s
